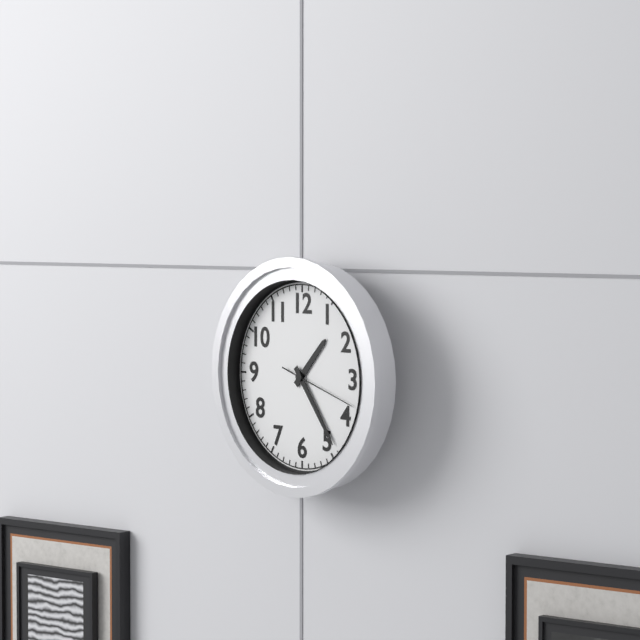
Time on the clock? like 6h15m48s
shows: 1h24m18s
